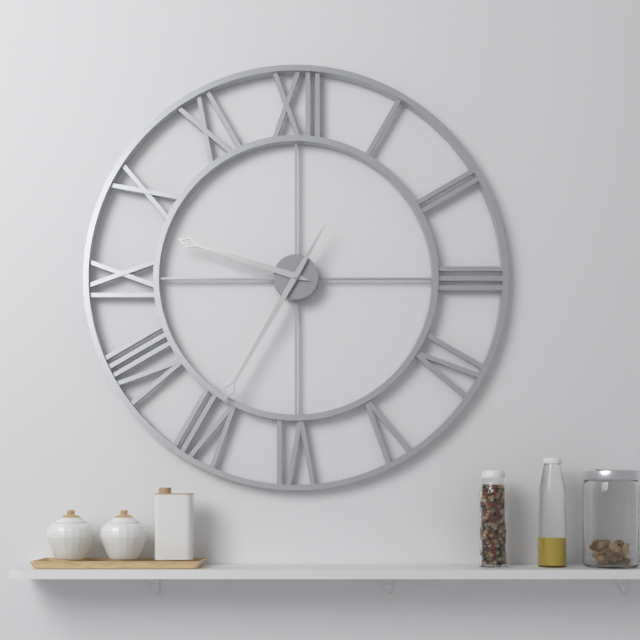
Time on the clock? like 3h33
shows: 9h35
